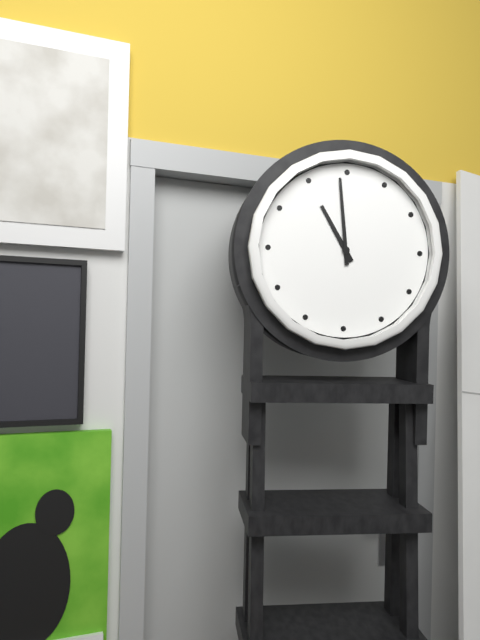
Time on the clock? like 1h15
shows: 10h59
